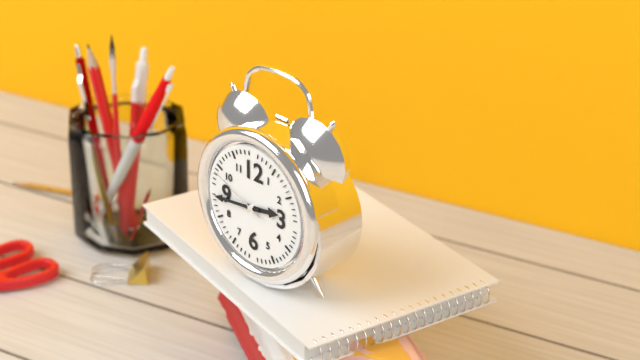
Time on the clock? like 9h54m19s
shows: 2h44m49s
